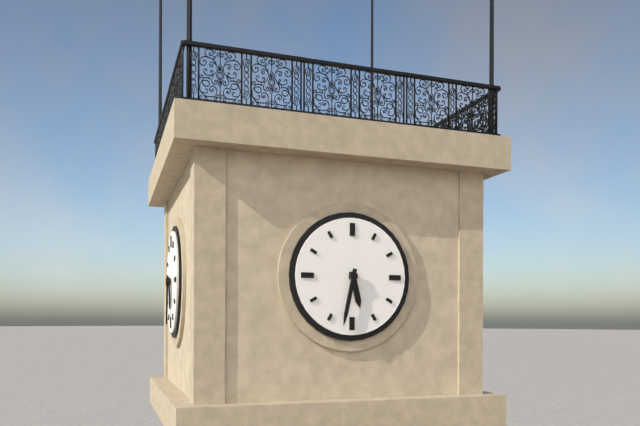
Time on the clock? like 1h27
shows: 5h32
